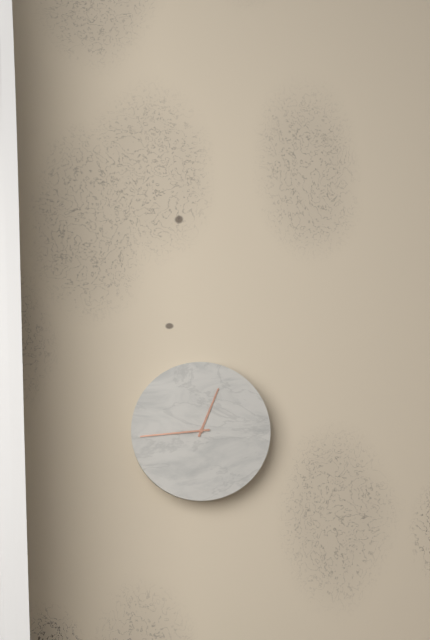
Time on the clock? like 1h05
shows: 12h44
